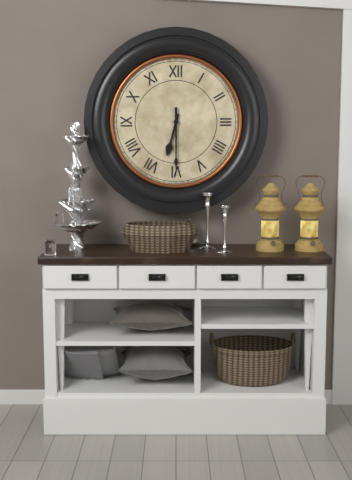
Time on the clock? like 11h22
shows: 6h30
